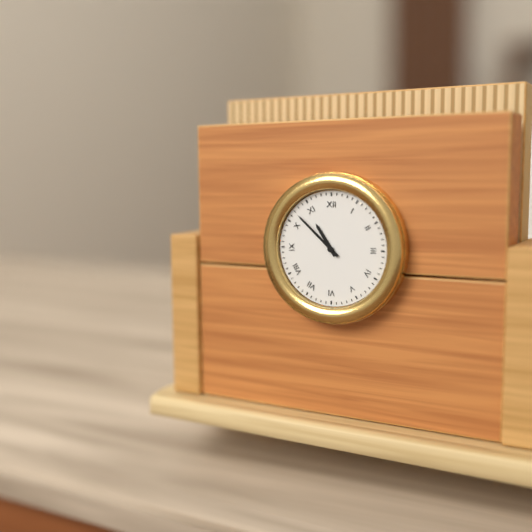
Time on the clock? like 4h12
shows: 10h52
